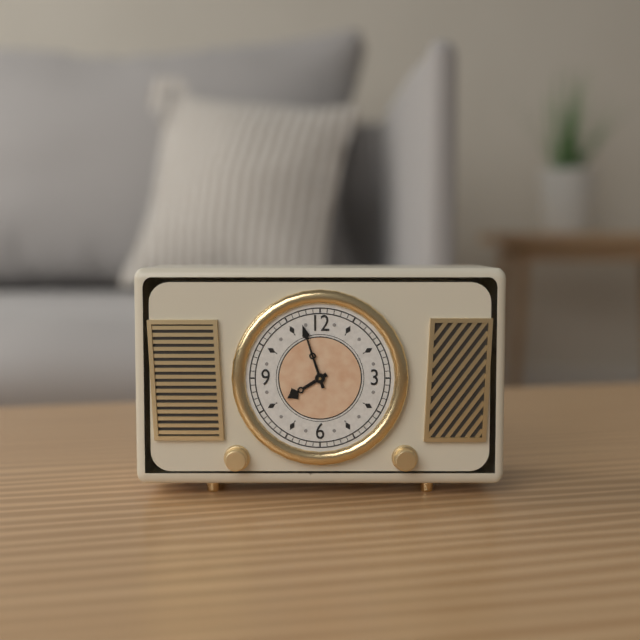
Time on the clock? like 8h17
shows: 7h57
